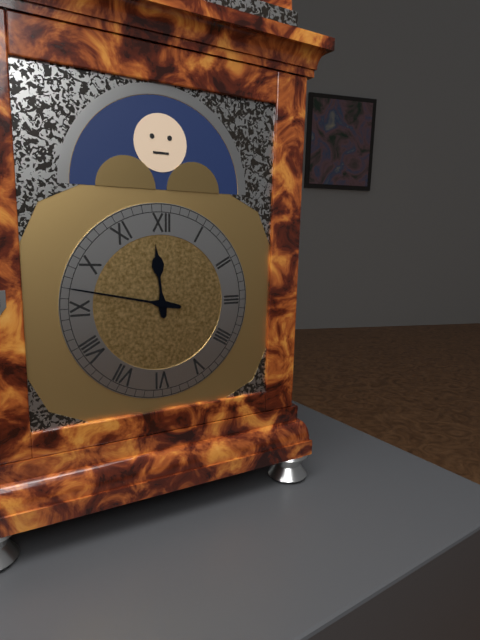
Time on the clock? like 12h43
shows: 11h47
